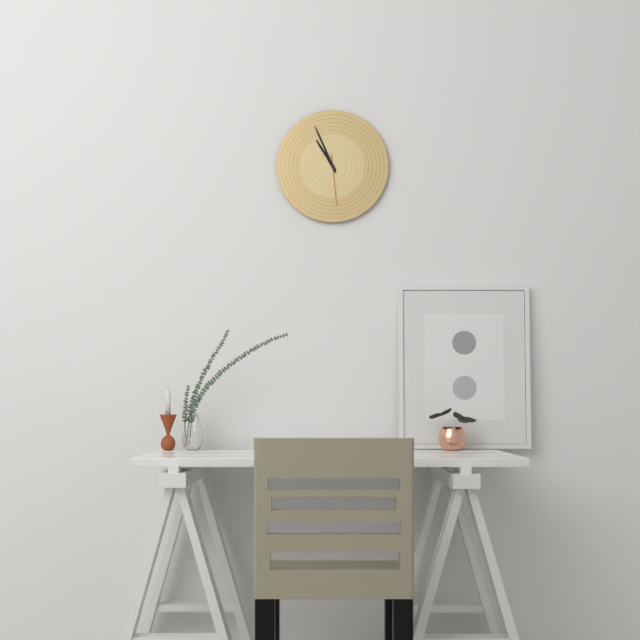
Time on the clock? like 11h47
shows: 10h56
